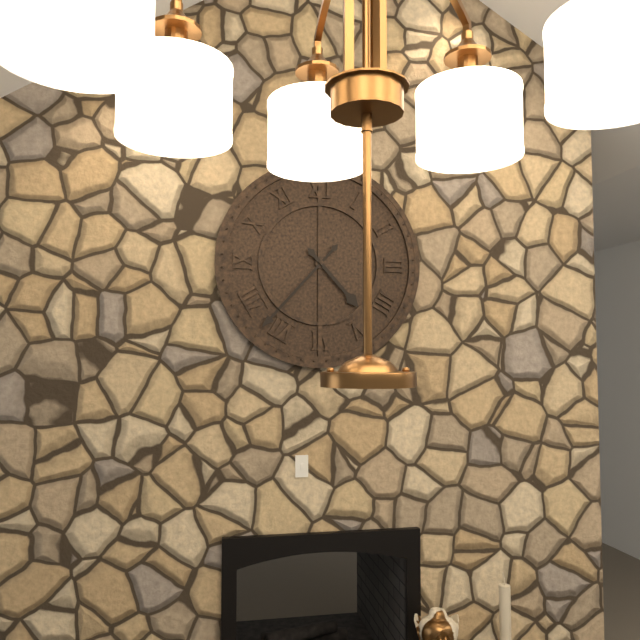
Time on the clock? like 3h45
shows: 4h37
